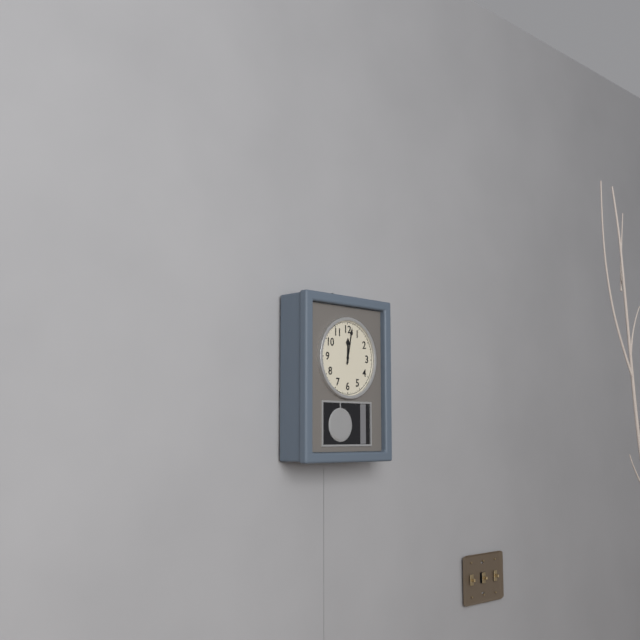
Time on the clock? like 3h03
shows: 12h02
